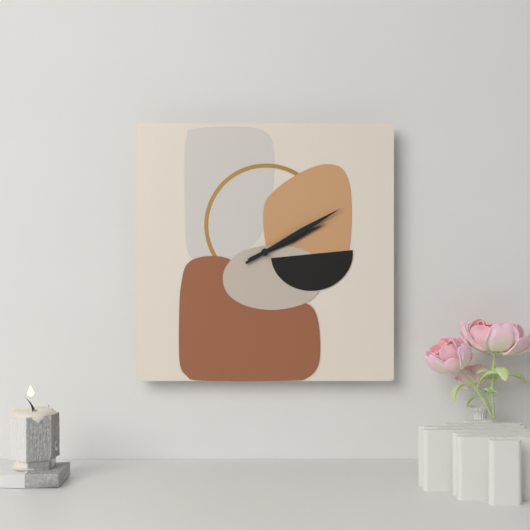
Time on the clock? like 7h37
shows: 2h10
